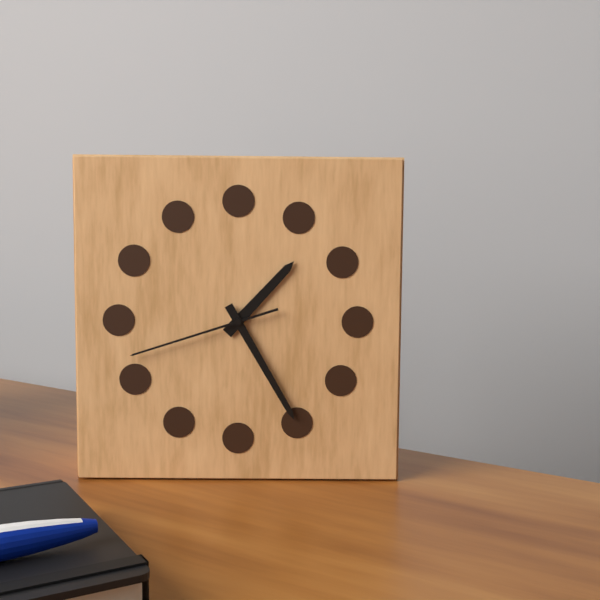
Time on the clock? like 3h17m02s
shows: 1h25m42s
